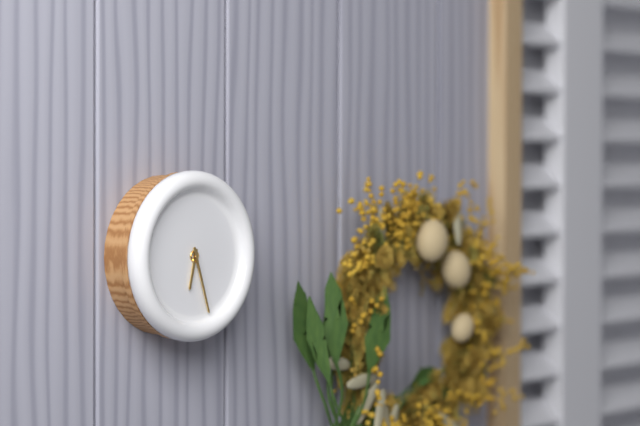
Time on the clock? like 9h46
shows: 6h27
